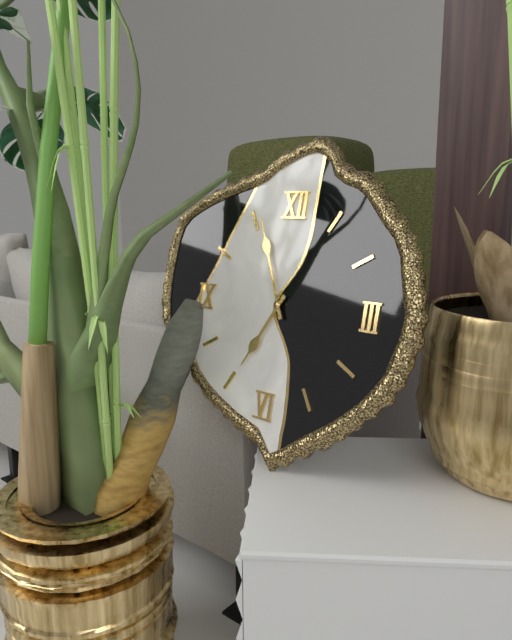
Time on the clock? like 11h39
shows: 6h56
